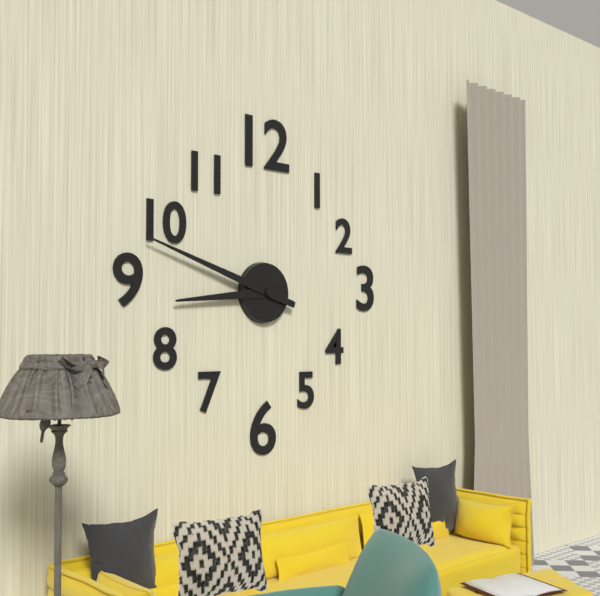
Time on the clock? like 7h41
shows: 8h48
